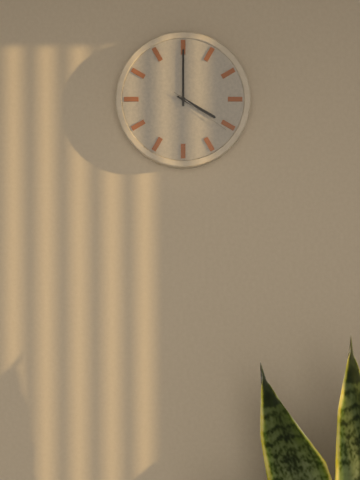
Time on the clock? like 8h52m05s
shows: 4h00m21s
